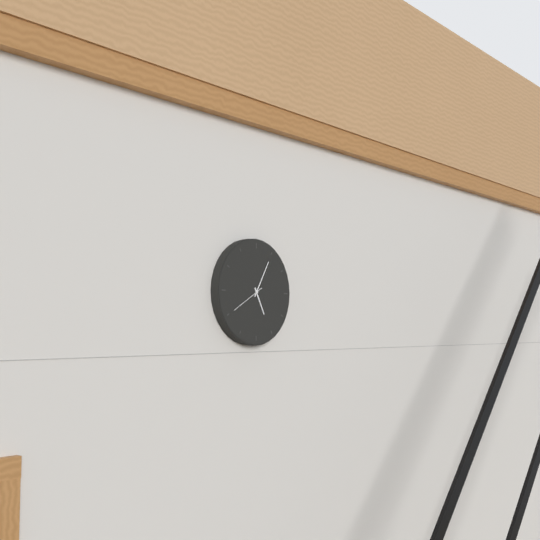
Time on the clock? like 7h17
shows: 5h05
